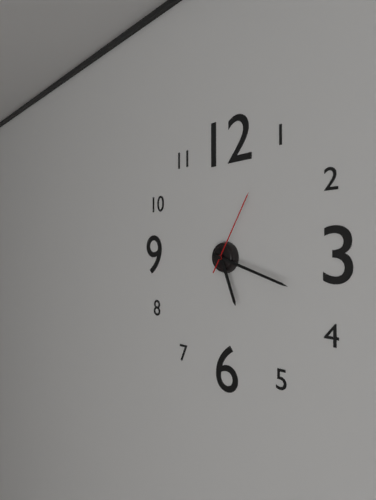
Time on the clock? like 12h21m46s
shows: 5h18m05s
